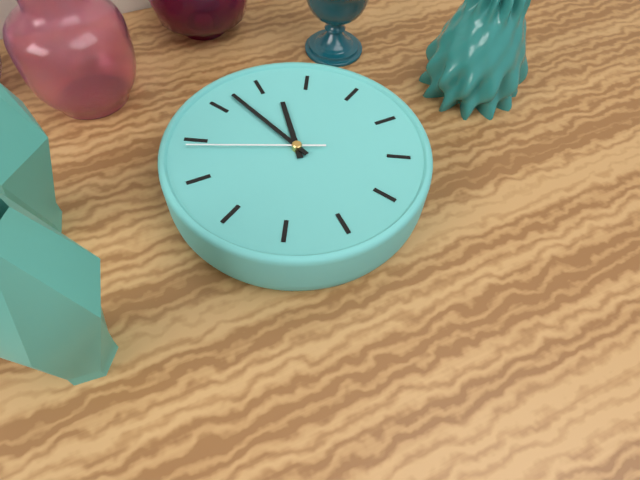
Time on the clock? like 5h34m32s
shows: 5h22m14s
